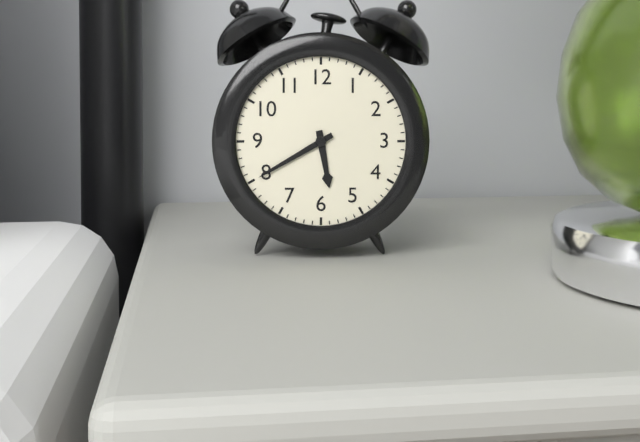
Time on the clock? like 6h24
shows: 5h40
